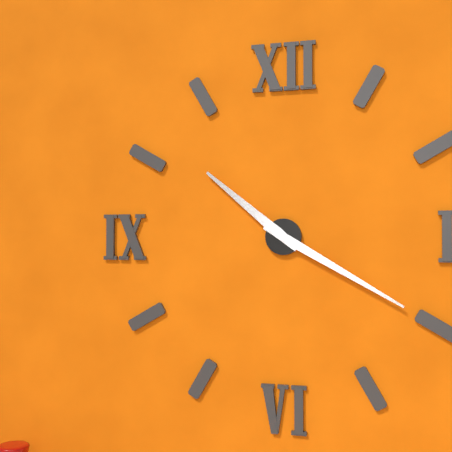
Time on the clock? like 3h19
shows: 10h20
